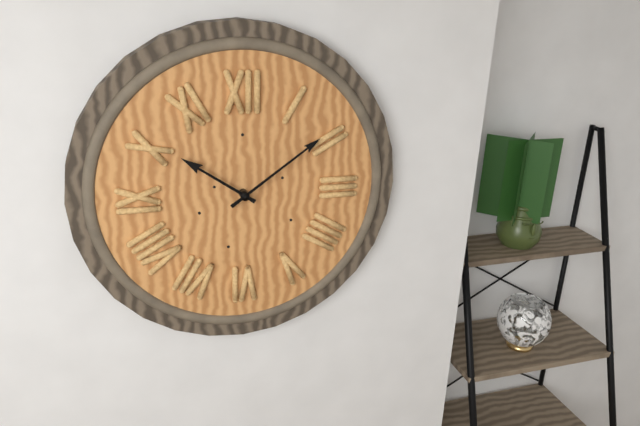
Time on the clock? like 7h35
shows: 10h09
